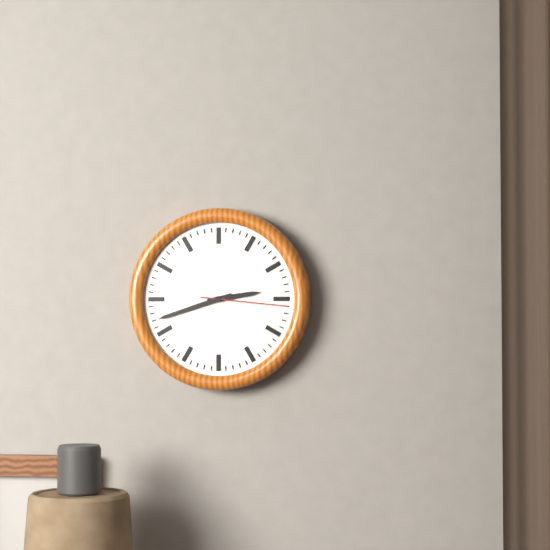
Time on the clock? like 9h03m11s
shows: 2h42m16s
